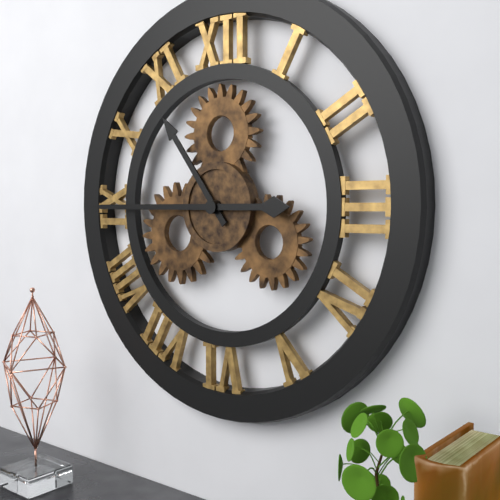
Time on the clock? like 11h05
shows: 10h45
